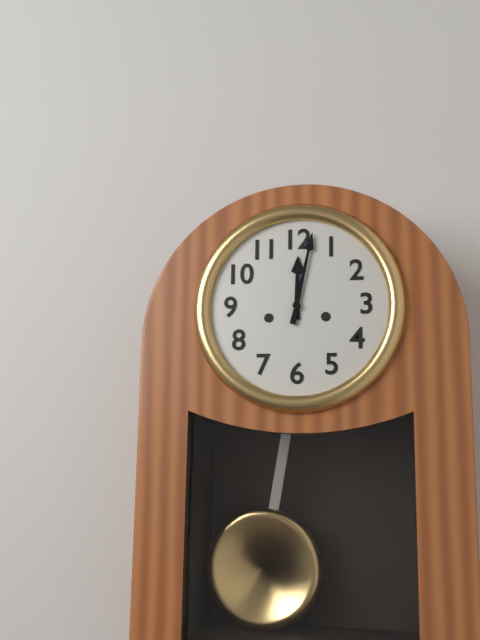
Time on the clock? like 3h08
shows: 12h02
